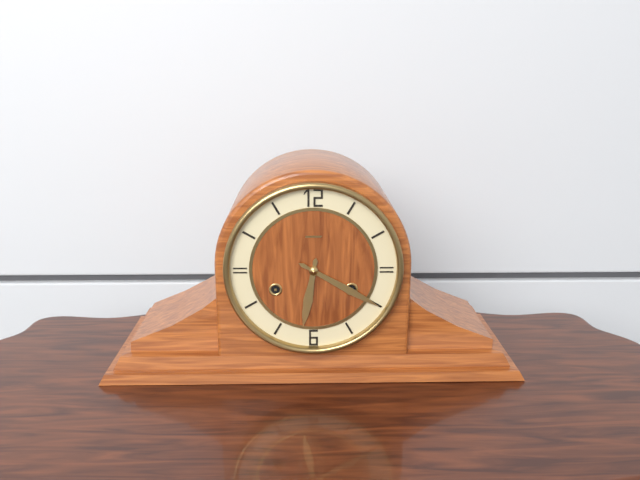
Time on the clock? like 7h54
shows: 6h20
